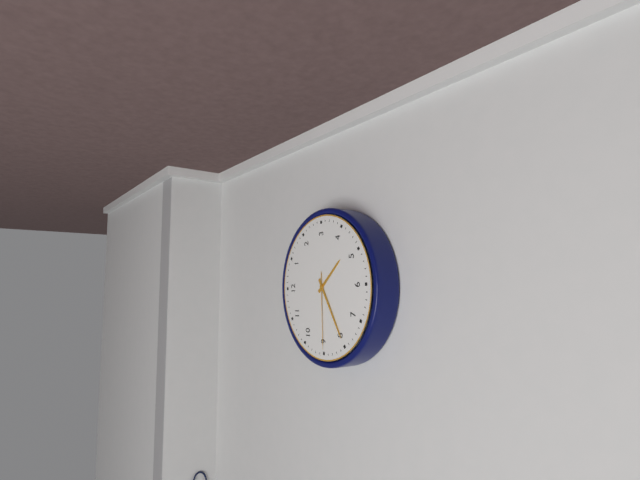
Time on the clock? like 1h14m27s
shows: 4h40m45s
